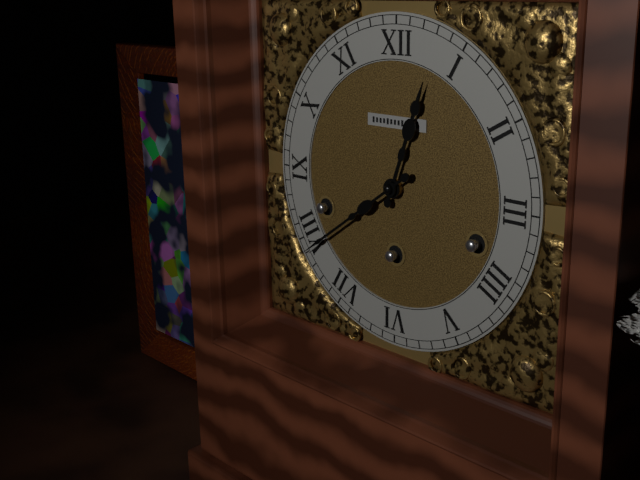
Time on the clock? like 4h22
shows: 12h39
